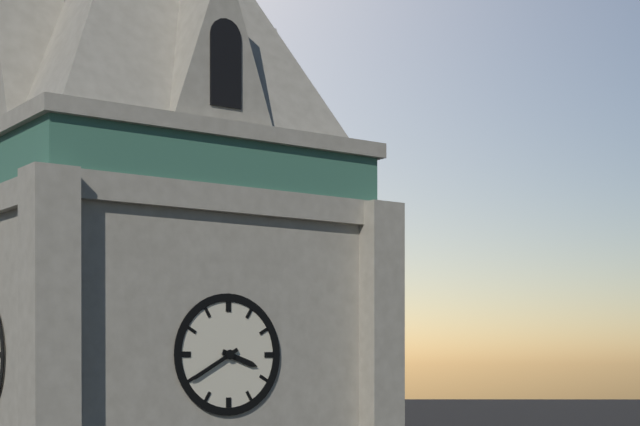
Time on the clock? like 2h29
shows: 3h40
